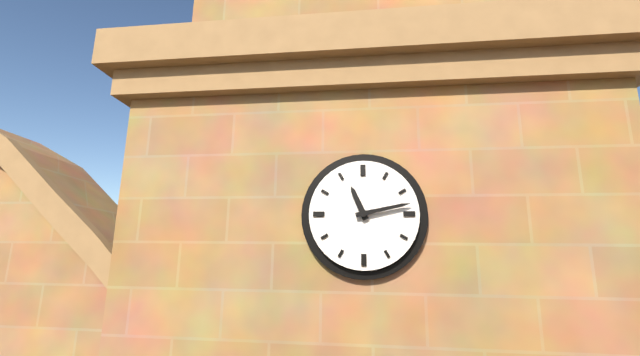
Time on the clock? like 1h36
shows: 11h13
